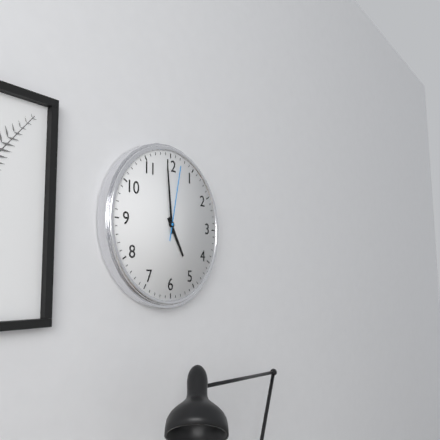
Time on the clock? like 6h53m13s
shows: 4h59m02s
